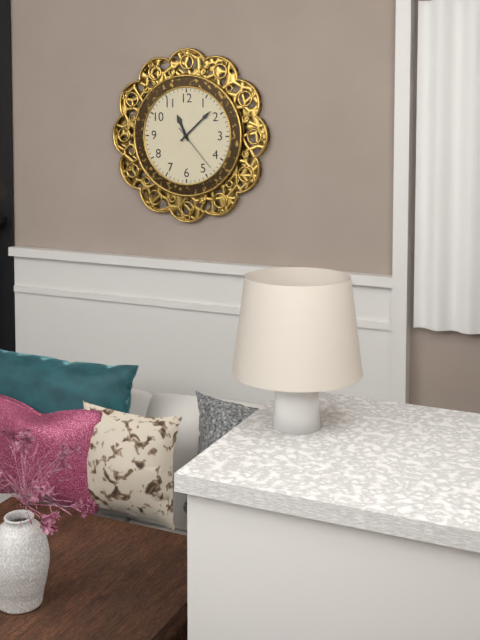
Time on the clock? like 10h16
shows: 11h08
